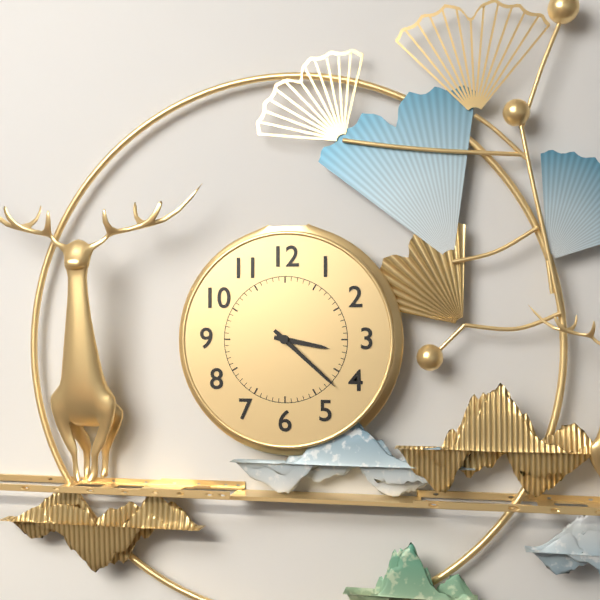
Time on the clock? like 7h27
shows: 3h22
